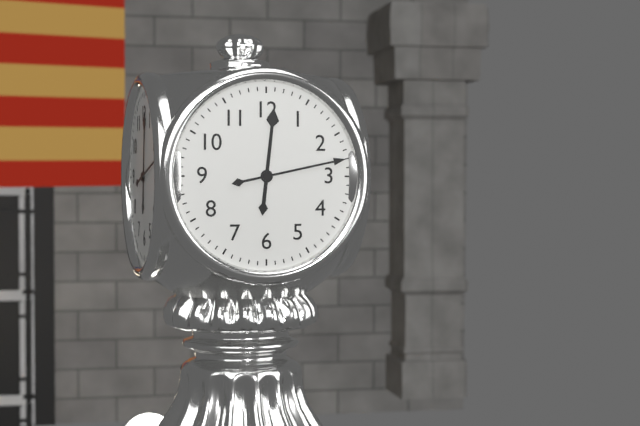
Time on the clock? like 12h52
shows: 12h13
